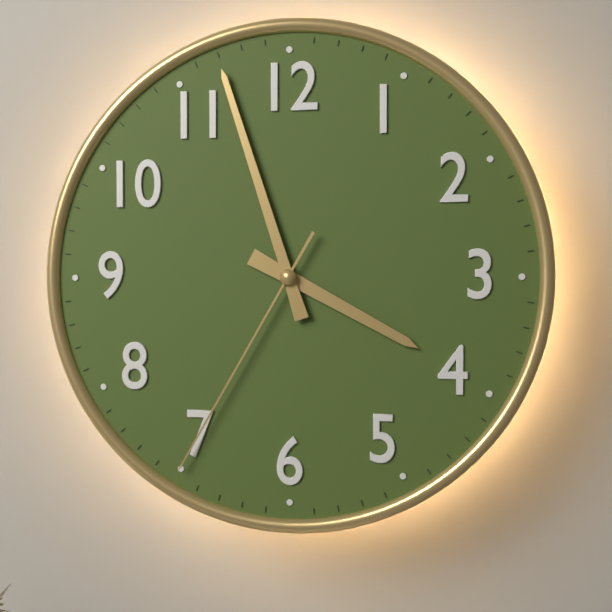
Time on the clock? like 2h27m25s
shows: 3h57m35s
